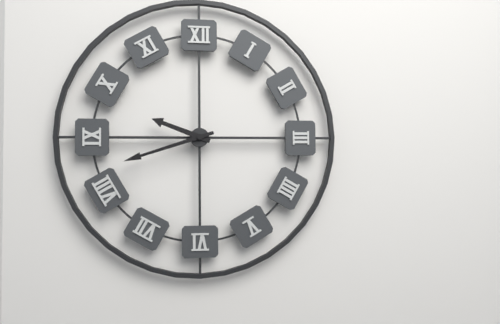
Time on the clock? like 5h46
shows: 9h42
